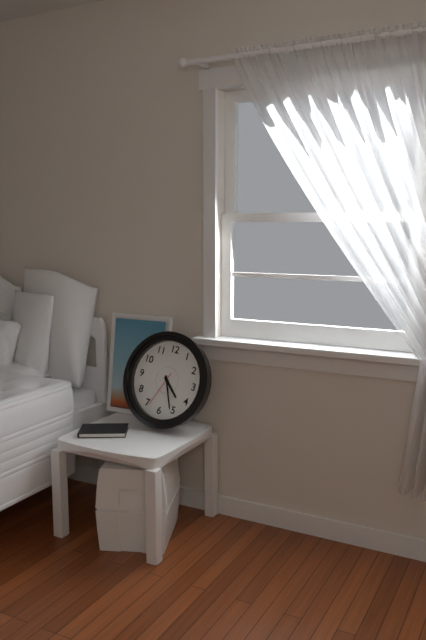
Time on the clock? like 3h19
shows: 4h26
